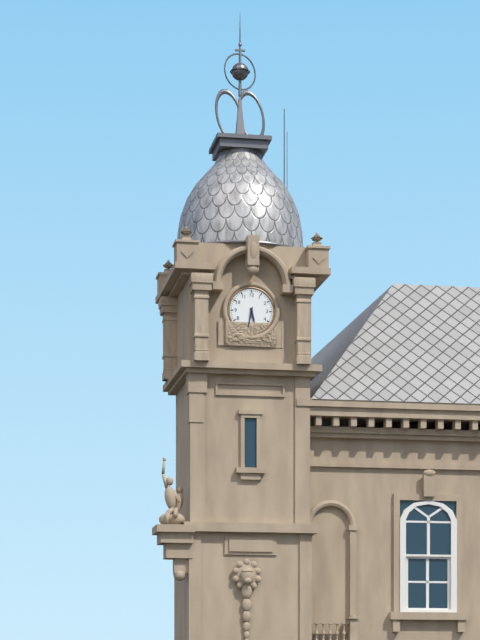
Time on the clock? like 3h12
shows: 5h32
